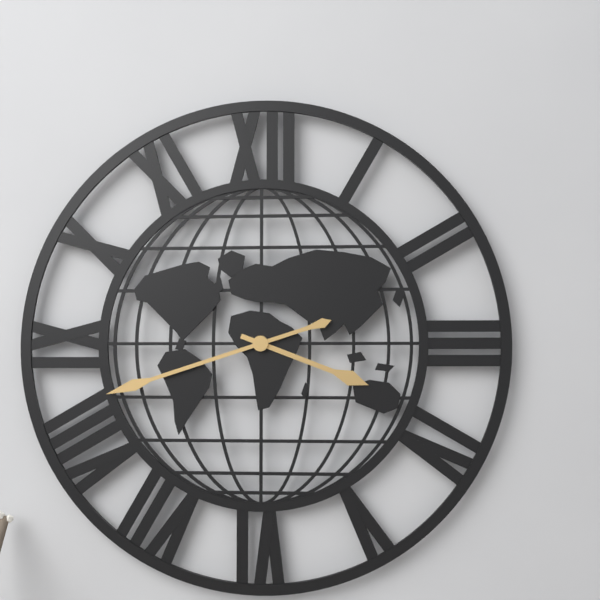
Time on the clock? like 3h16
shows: 3h42
